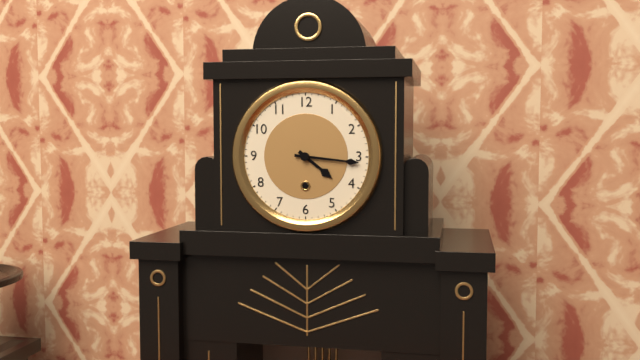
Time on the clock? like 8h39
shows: 4h16
